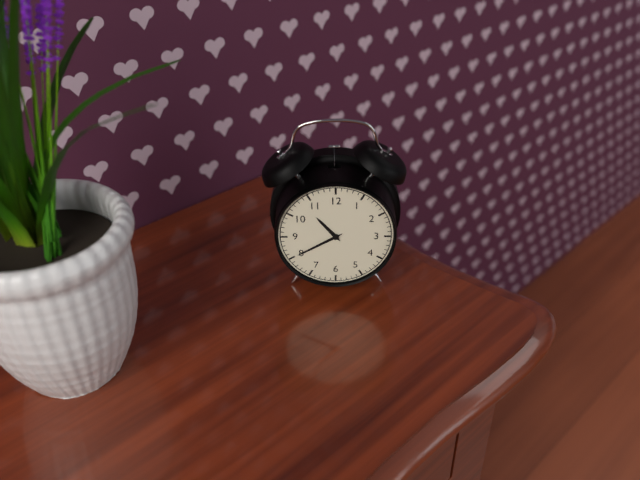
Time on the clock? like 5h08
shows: 10h40
